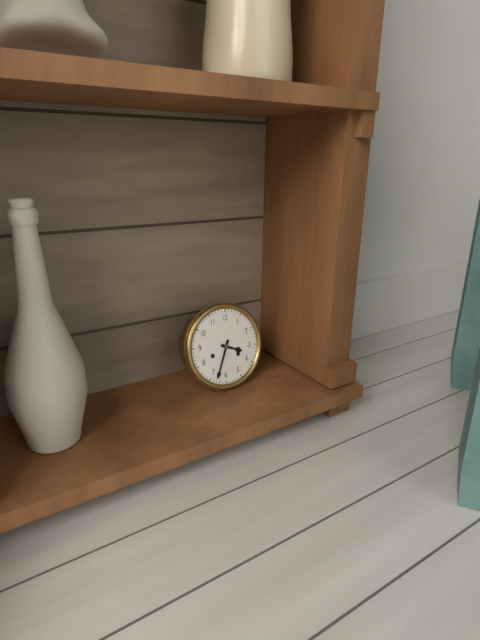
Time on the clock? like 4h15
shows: 3h33
